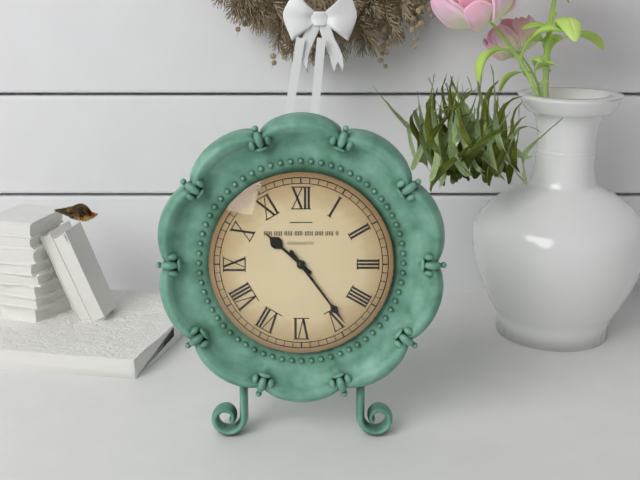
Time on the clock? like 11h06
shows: 10h24
